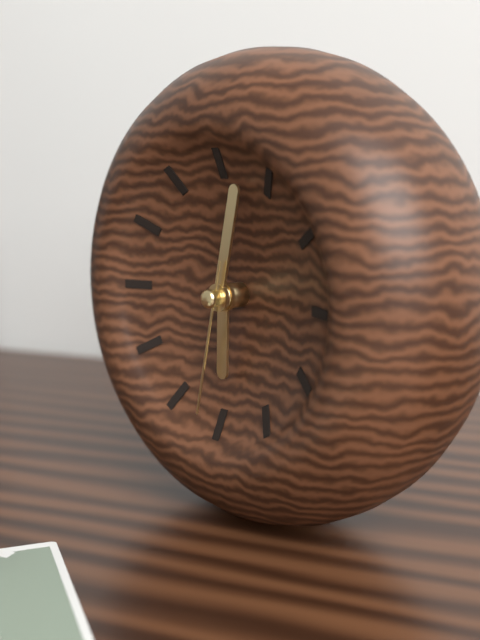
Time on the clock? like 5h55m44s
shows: 6h02m32s
